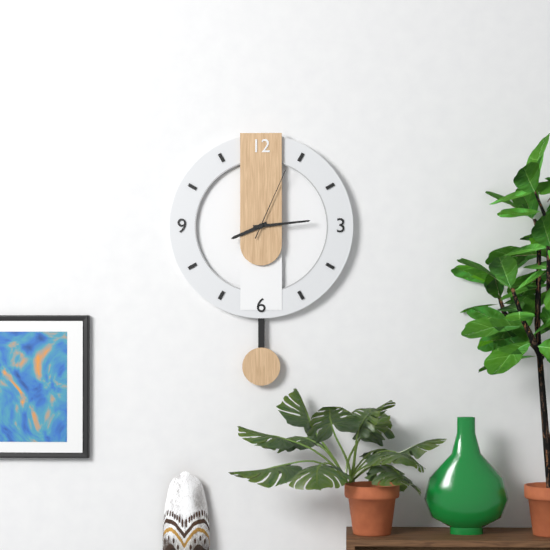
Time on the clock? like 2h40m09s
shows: 8h14m04s
